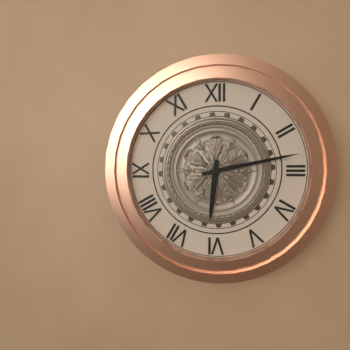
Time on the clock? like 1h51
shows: 6h13
